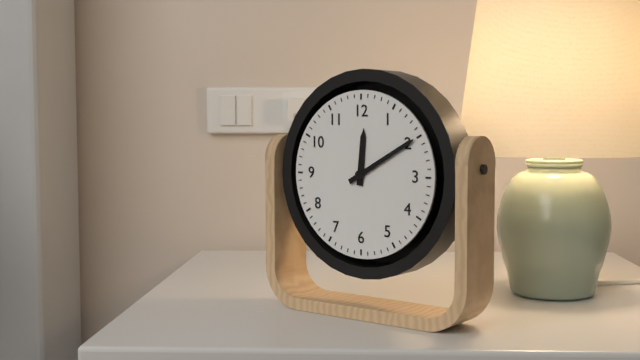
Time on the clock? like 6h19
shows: 12h10
